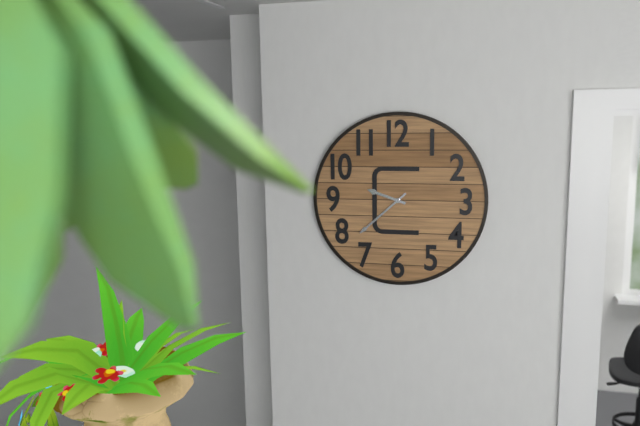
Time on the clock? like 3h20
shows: 9h38
